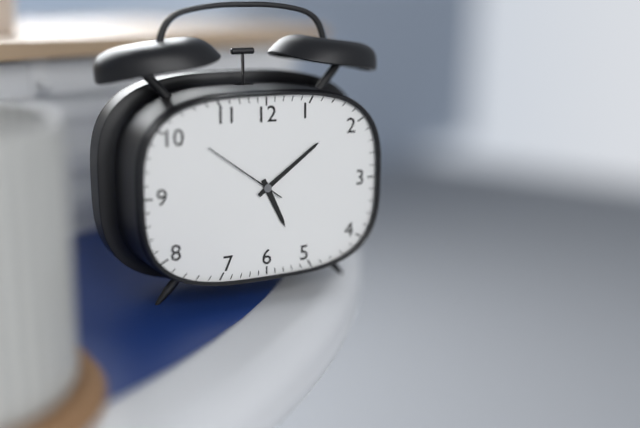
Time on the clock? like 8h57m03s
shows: 5h09m51s
